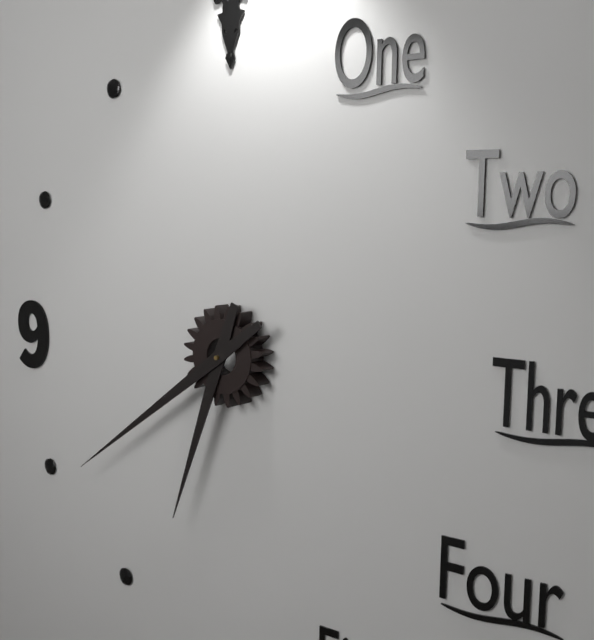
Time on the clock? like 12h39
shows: 6h39
